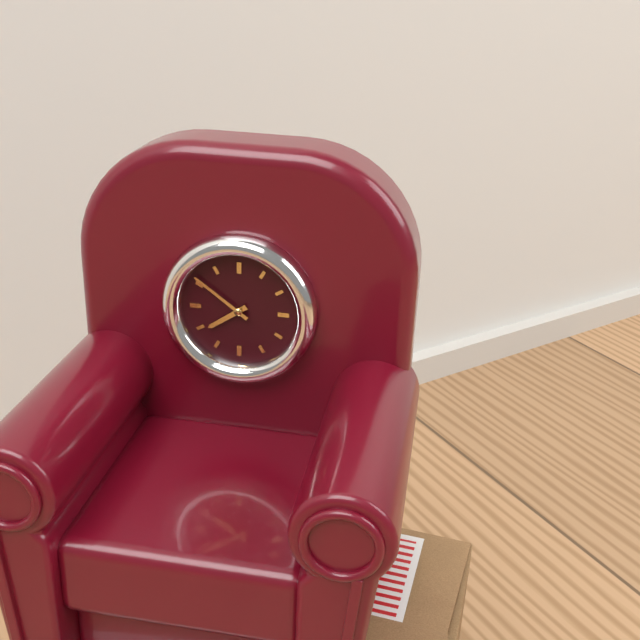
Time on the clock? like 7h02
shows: 7h51
